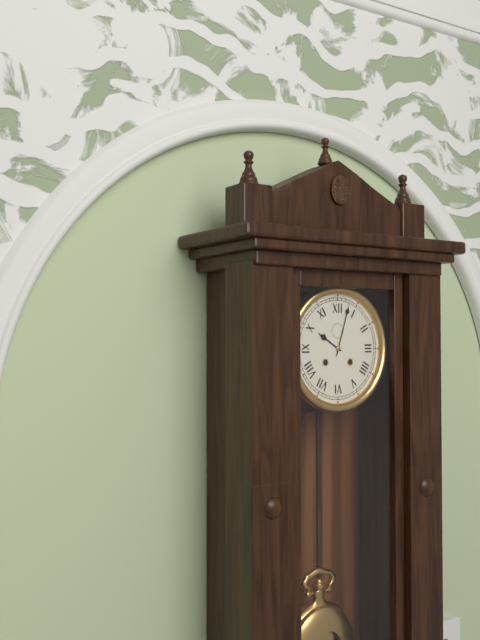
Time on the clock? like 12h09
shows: 10h03
